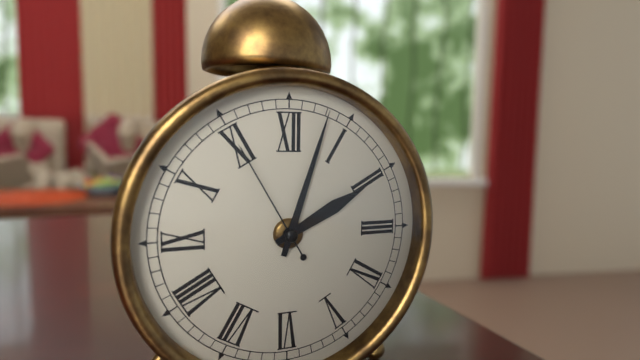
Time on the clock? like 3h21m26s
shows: 2h03m55s
